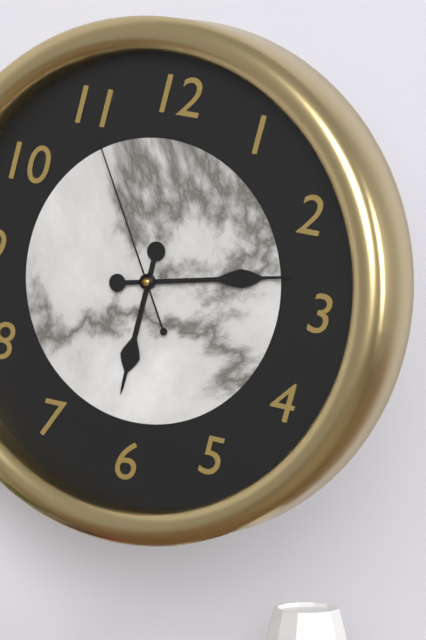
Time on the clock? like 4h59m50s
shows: 6h13m55s
